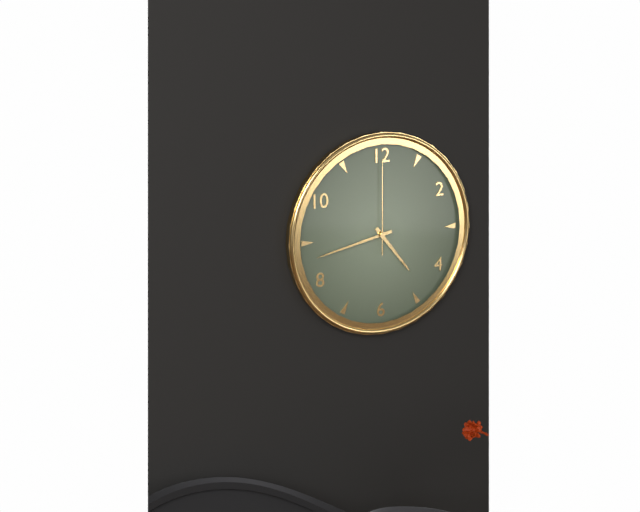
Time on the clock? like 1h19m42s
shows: 4h43m00s
